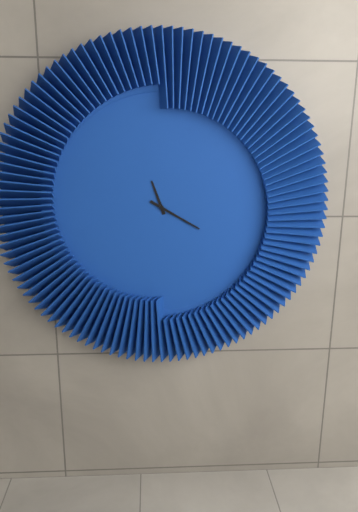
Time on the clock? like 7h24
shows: 11h20
